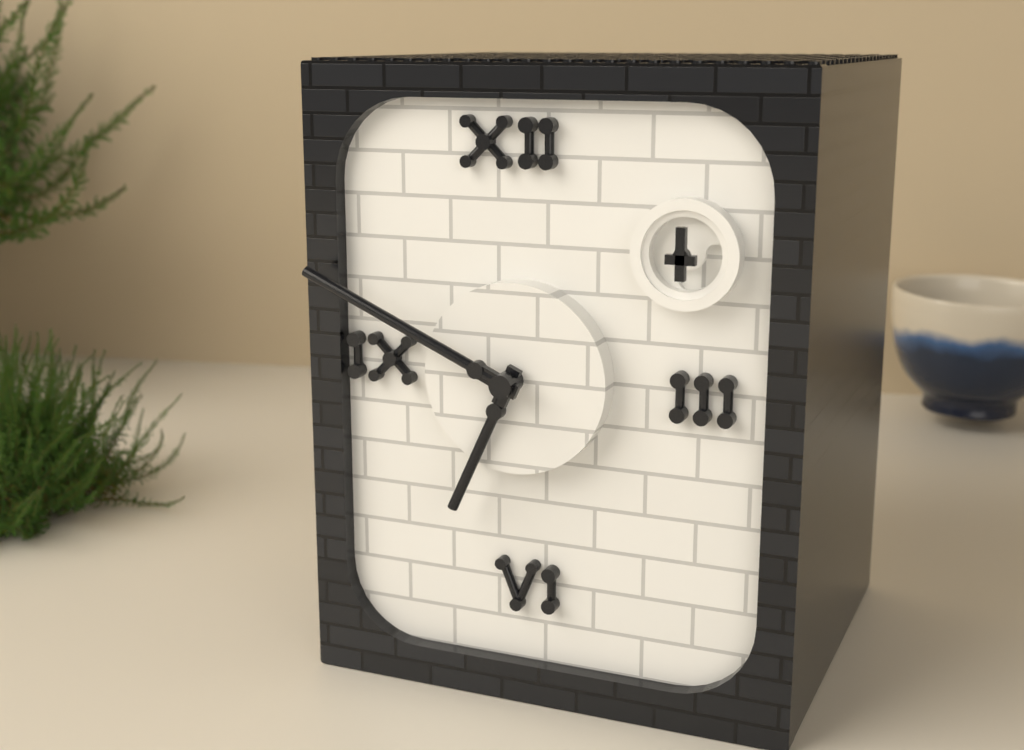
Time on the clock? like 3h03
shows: 6h49
